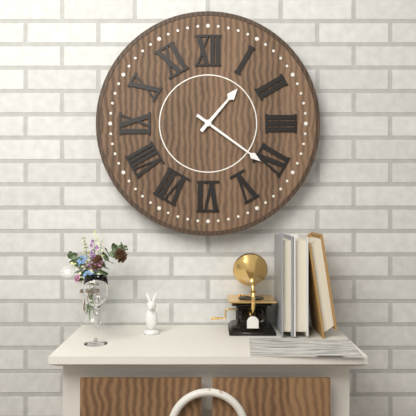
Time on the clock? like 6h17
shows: 1h21
